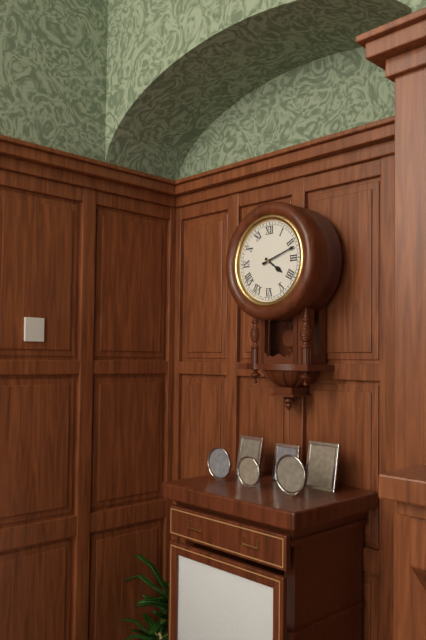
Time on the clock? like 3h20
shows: 4h12
